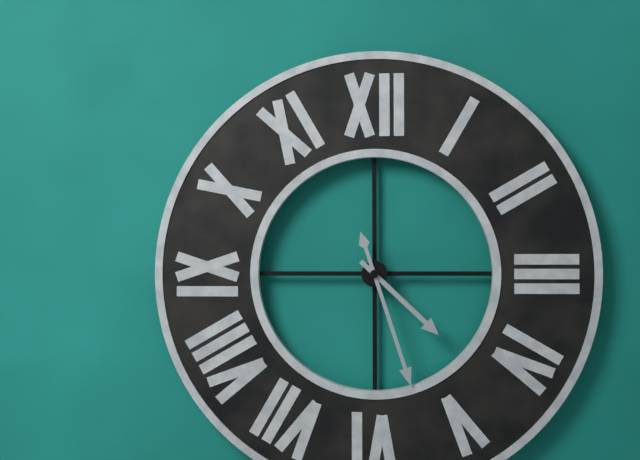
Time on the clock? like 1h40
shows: 4h27
